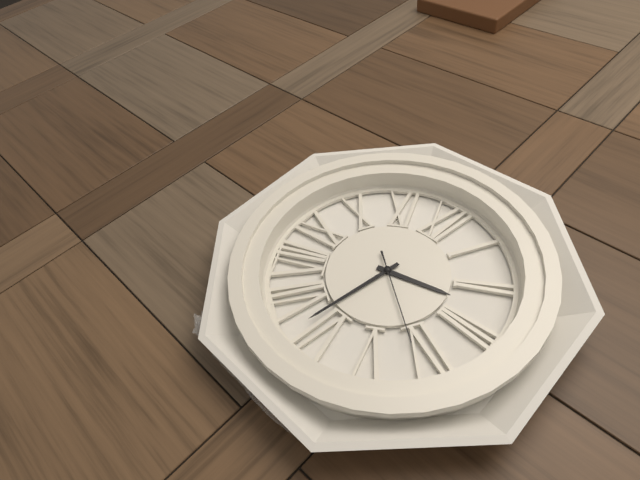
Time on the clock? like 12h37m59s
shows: 2h32m21s
